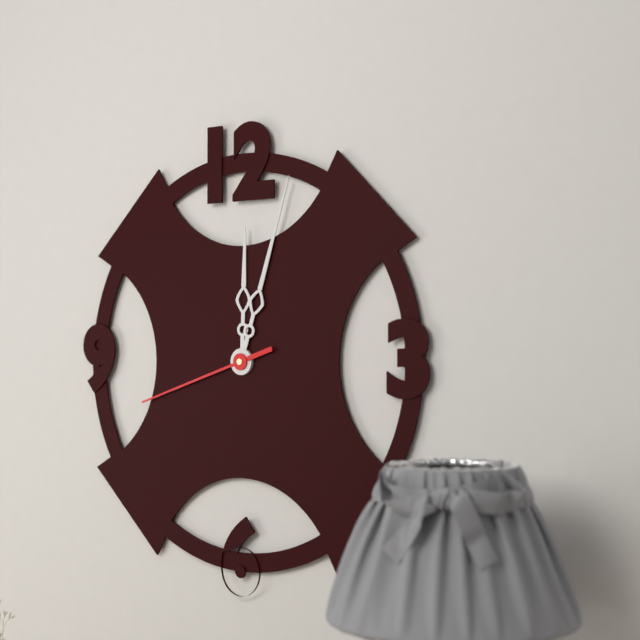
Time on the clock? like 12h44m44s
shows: 12h03m42s
